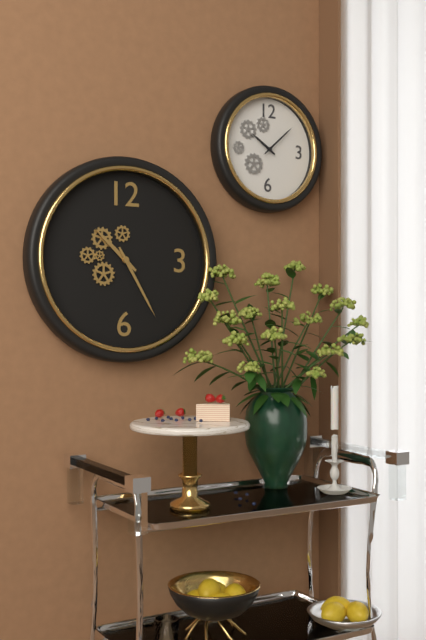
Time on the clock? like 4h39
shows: 10h25
